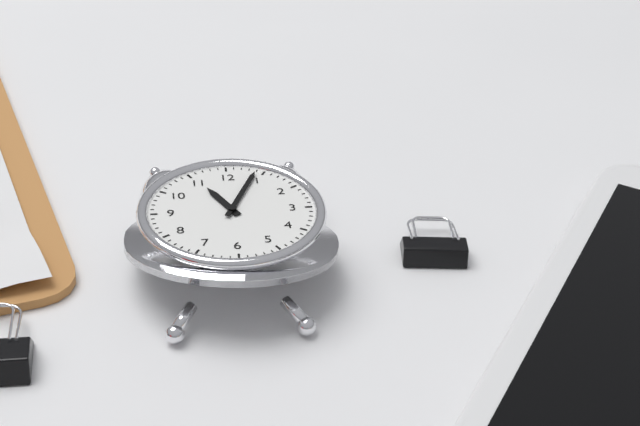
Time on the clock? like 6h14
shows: 11h04
